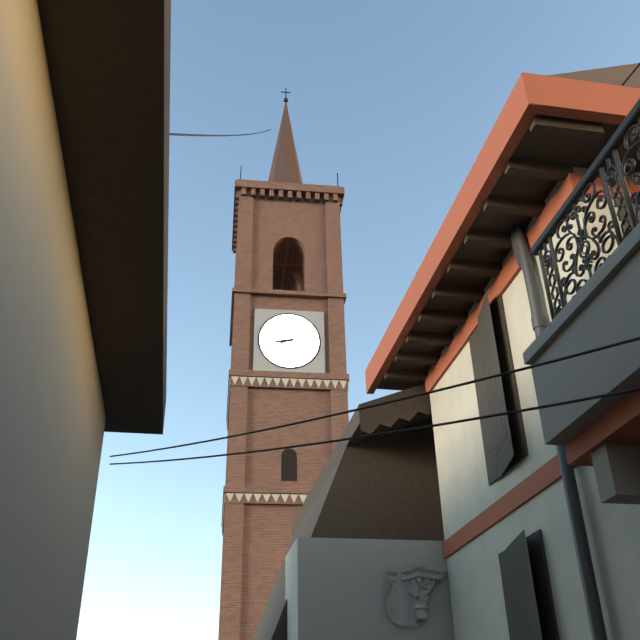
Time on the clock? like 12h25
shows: 8h41
